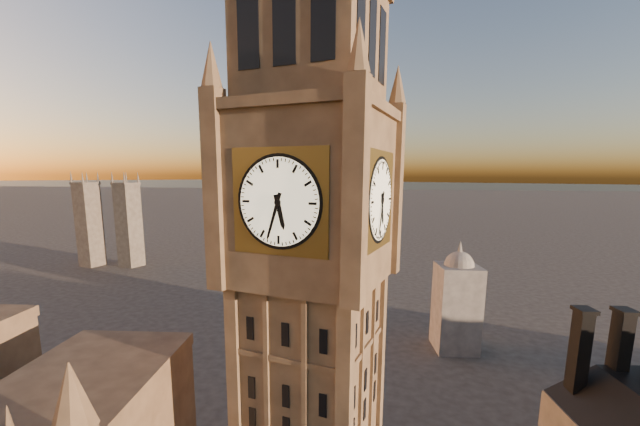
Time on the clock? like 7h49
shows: 5h33
